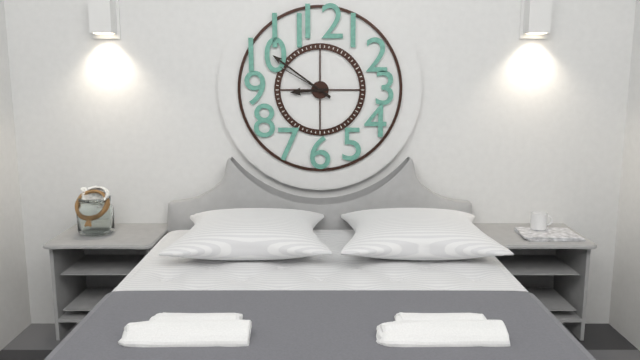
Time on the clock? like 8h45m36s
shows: 8h51m50s
